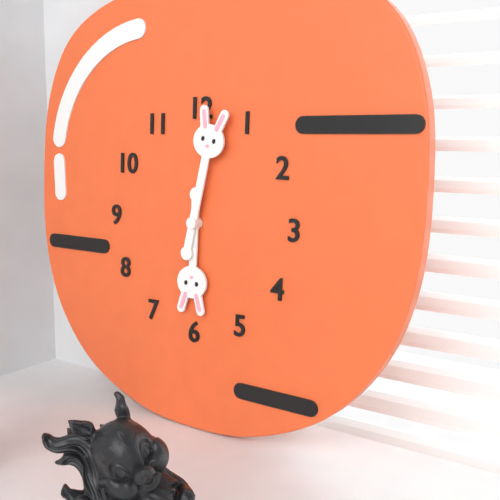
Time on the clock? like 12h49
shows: 6h02
